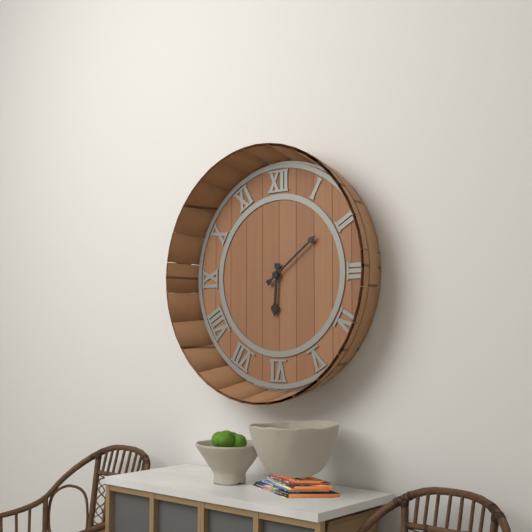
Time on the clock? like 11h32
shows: 6h09
